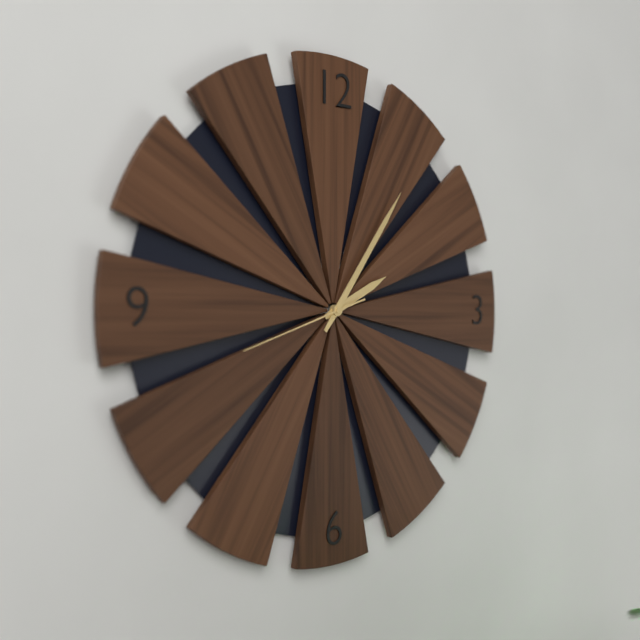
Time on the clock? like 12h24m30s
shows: 2h06m42s
